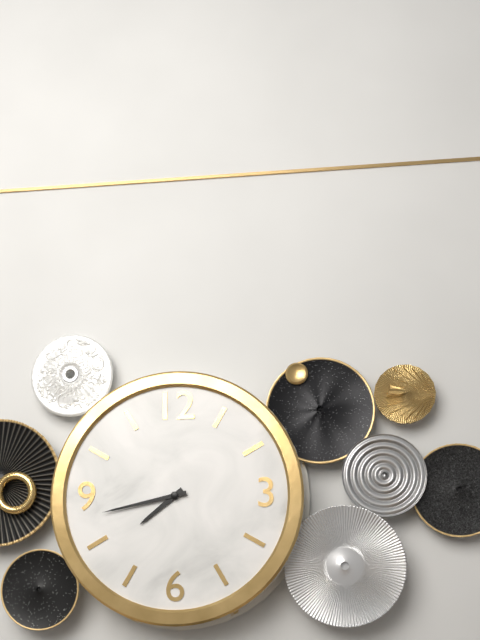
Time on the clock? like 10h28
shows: 7h43
